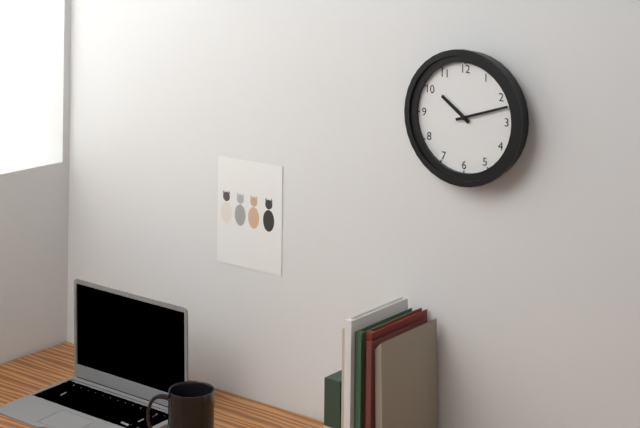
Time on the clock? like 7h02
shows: 10h12
